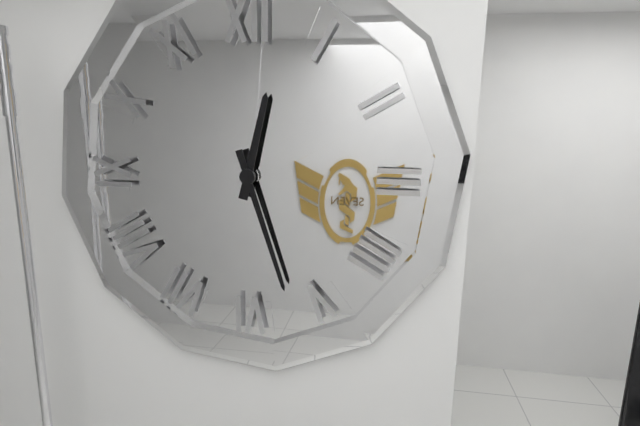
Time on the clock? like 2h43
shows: 12h27
